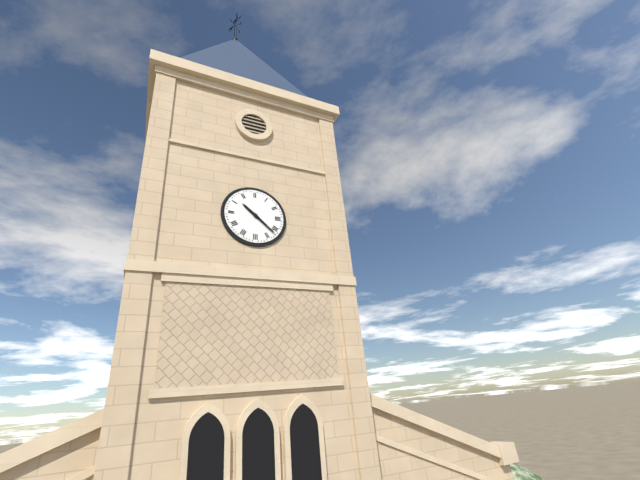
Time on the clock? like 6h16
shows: 10h22
